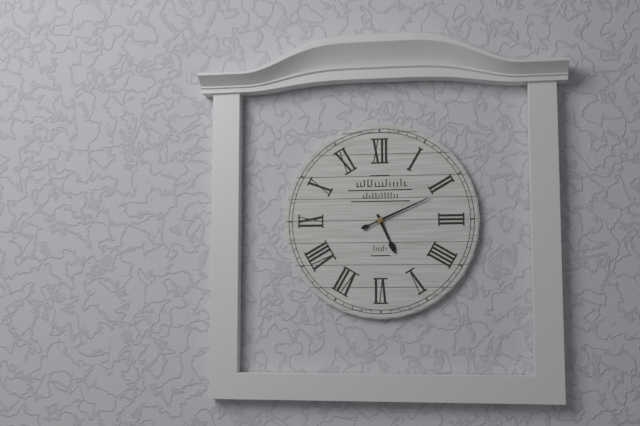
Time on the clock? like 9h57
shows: 5h11
